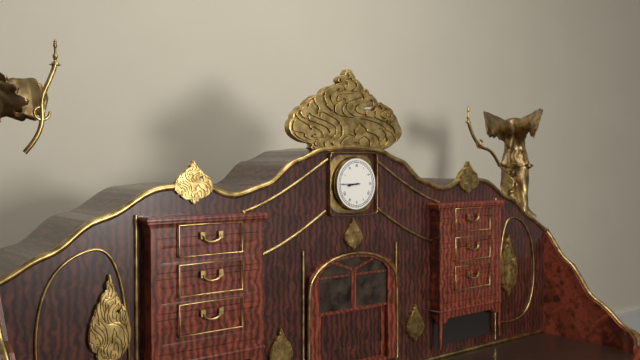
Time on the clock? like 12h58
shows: 8h45
